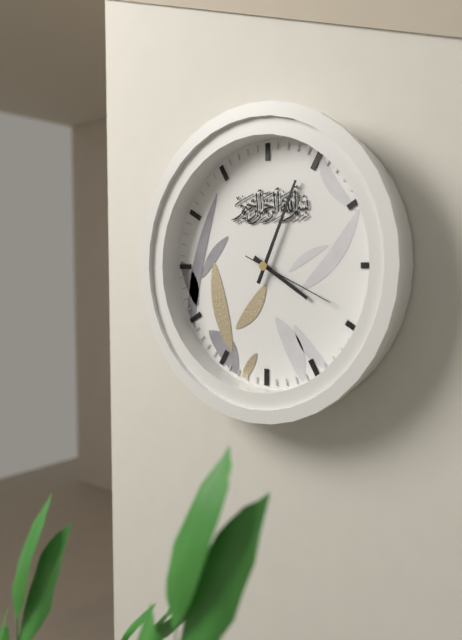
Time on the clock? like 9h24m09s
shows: 4h04m19s
